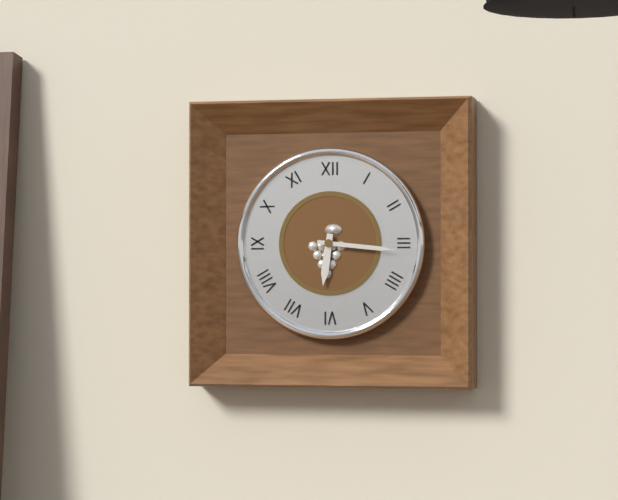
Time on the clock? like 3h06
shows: 6h16
